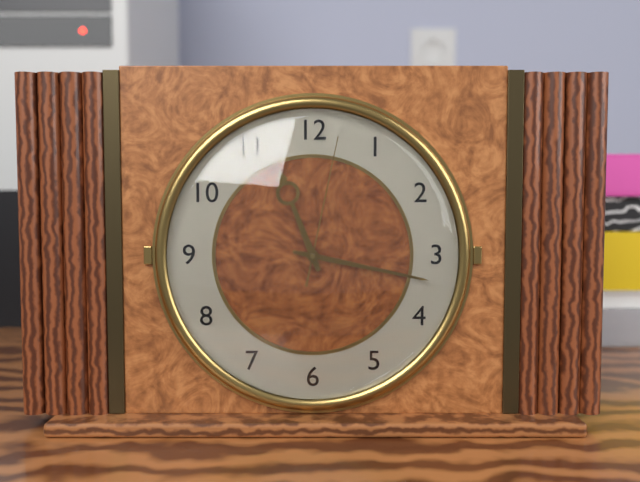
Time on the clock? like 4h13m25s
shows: 11h17m02s
